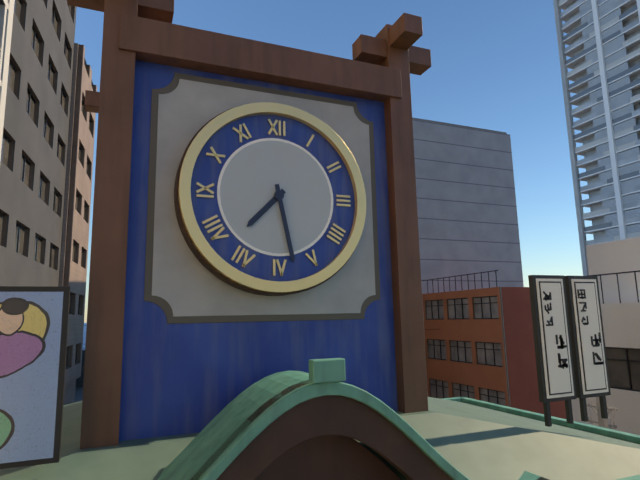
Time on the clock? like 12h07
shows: 7h28
